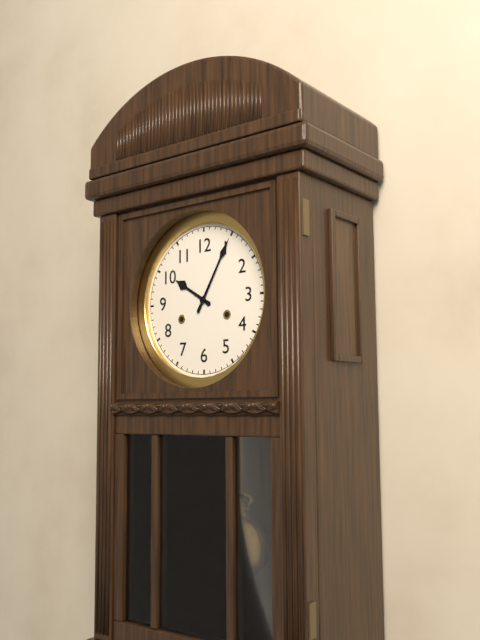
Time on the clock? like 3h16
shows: 10h05
